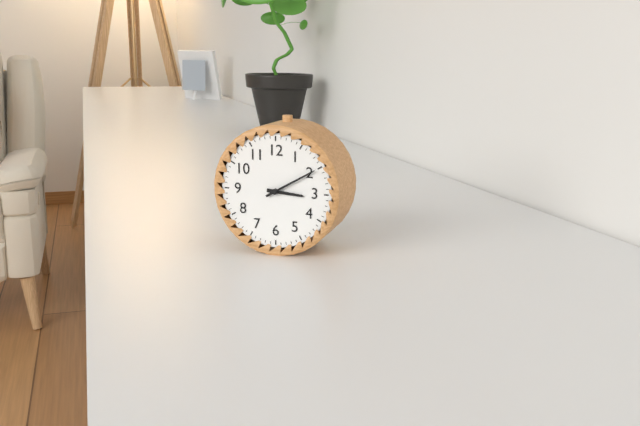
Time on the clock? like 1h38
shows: 3h10
